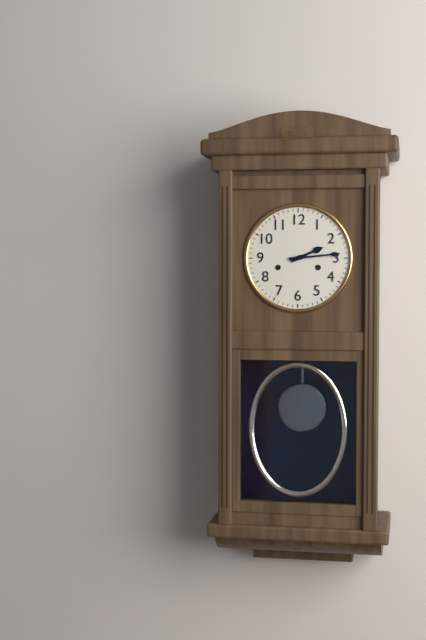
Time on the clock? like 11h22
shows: 2h14
